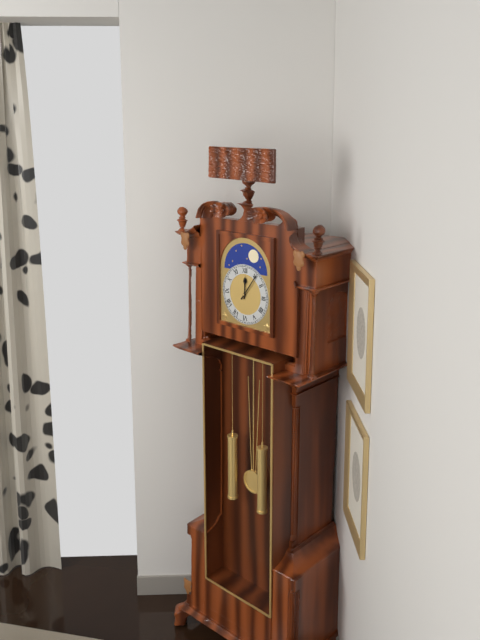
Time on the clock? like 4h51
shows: 12h06
